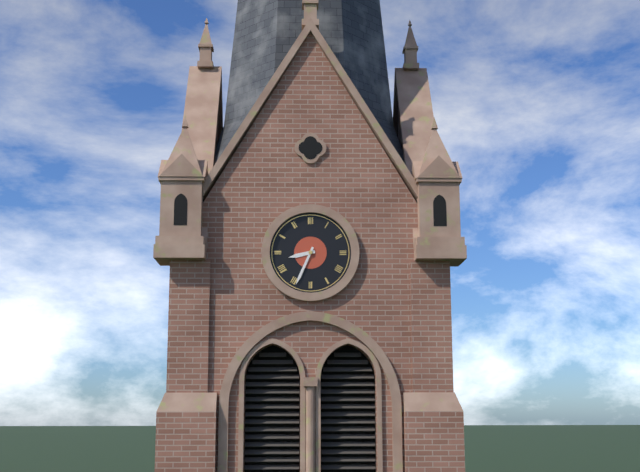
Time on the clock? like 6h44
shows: 8h34
